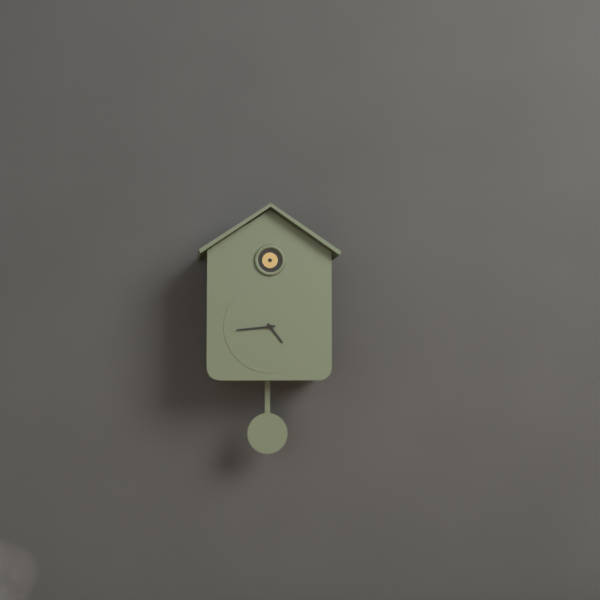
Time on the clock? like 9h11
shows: 4h44
